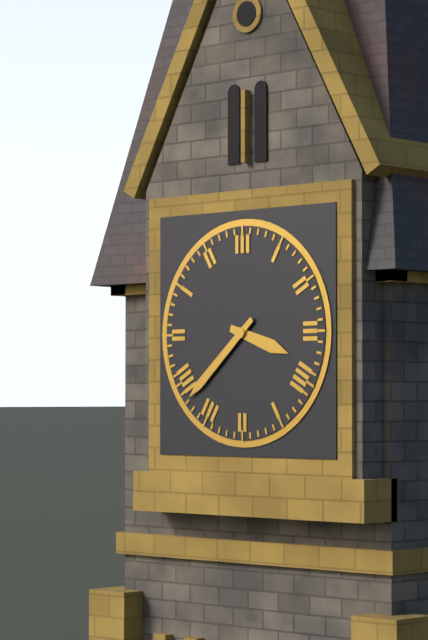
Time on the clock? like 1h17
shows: 3h38
